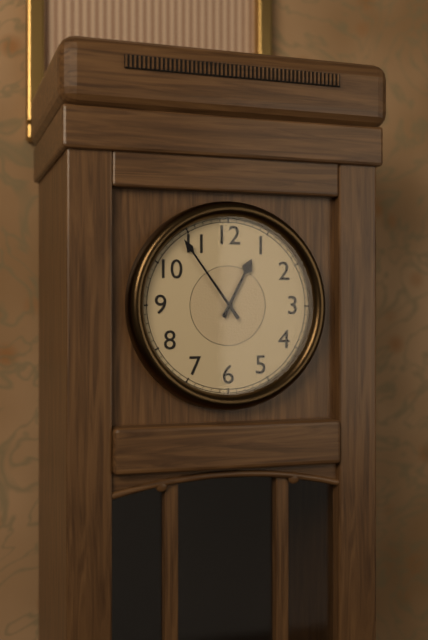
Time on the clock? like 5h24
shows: 12h54
